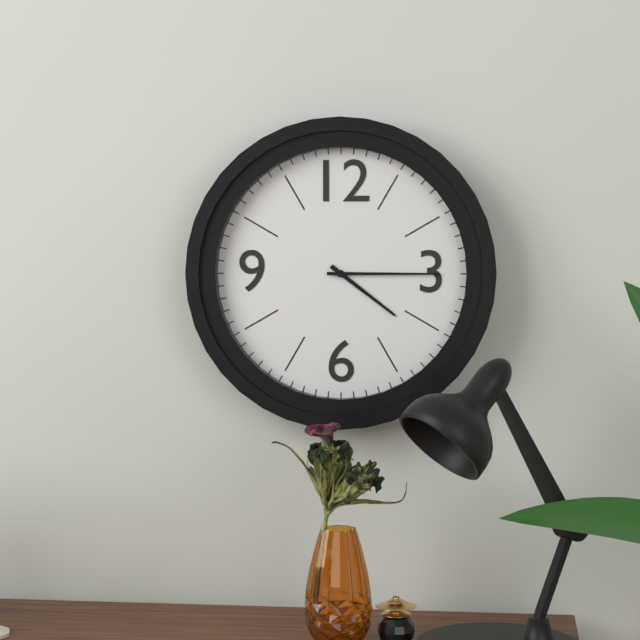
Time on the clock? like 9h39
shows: 4h15
